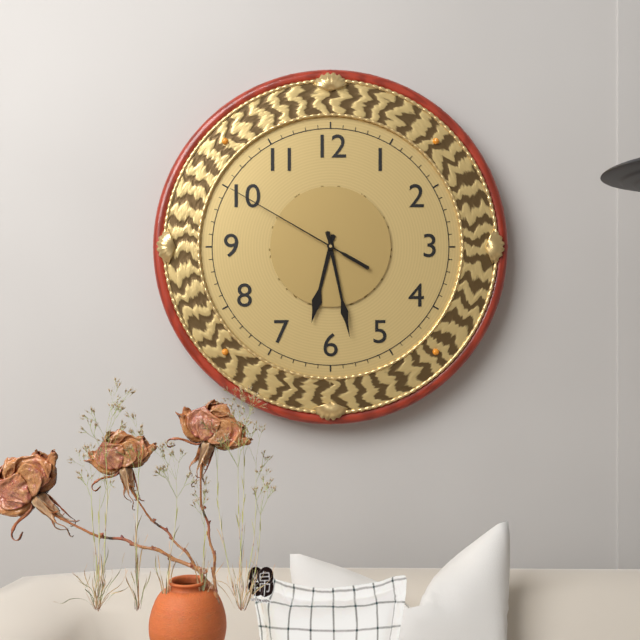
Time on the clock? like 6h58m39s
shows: 6h28m50s
